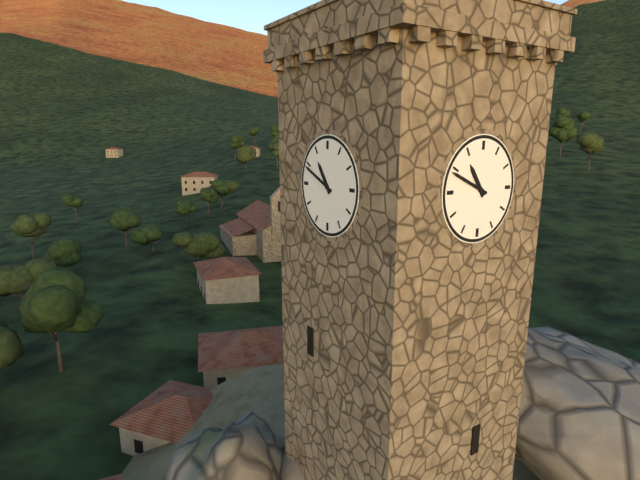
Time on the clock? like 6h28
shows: 10h49
